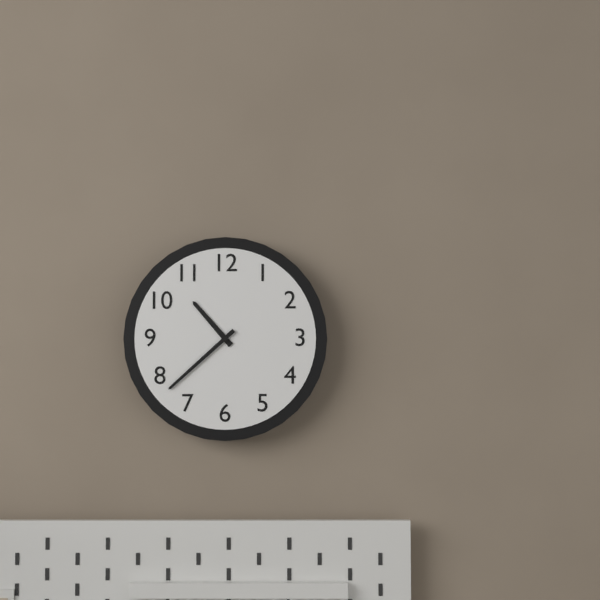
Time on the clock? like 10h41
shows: 10h38
